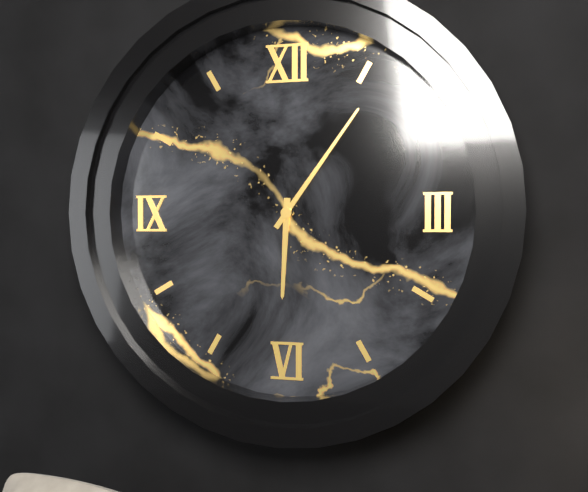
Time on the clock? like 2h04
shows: 6h06
